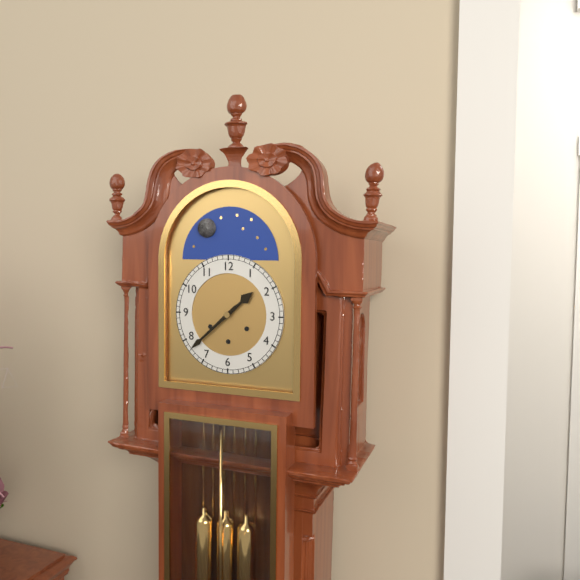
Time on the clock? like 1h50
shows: 1h38
